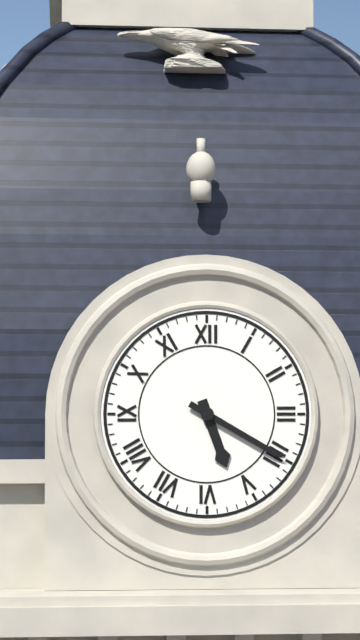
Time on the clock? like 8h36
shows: 5h20
